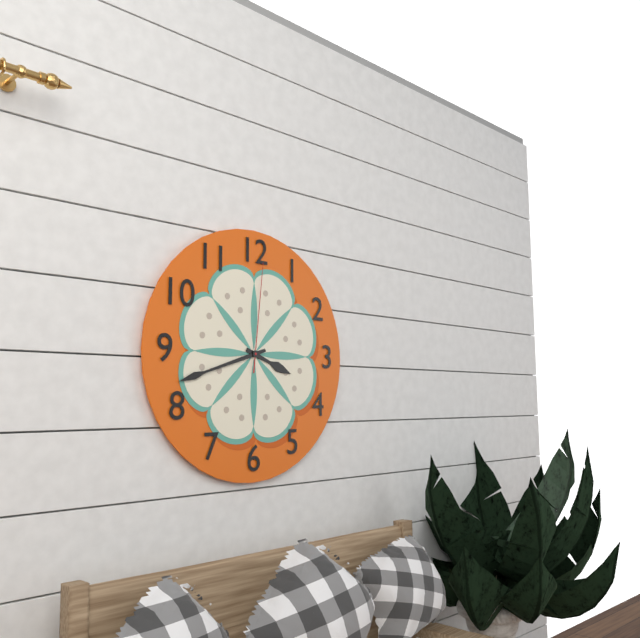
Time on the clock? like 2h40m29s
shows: 3h42m01s
